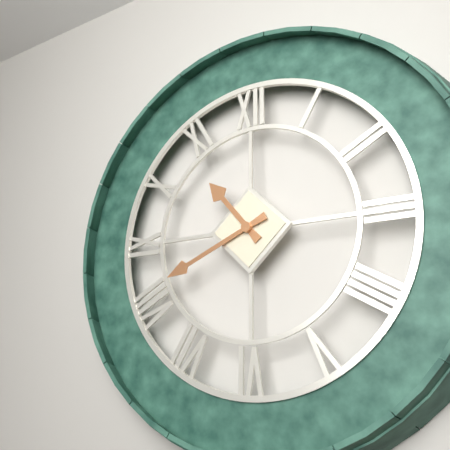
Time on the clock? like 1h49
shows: 10h41
